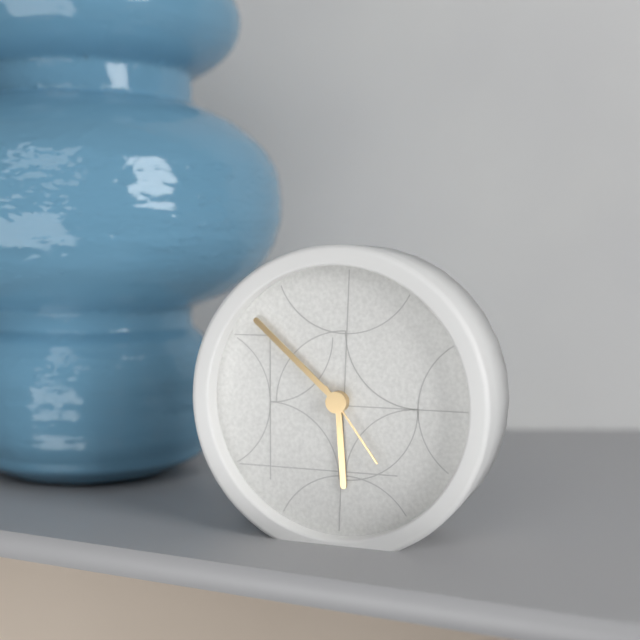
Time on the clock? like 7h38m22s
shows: 5h52m24s
